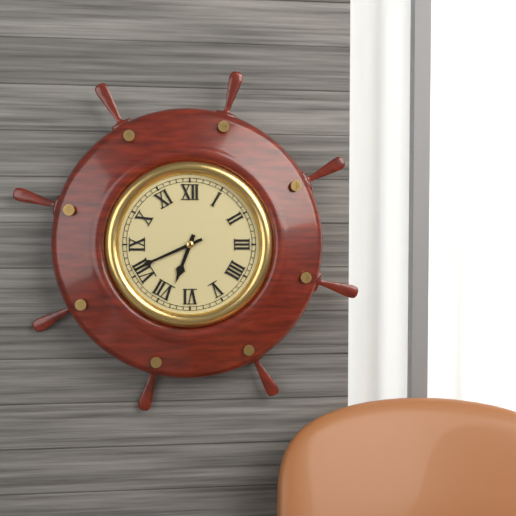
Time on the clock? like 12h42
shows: 6h41
